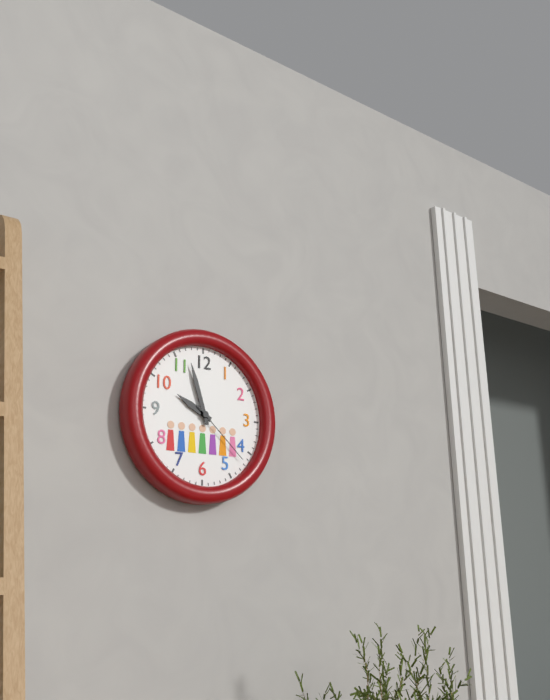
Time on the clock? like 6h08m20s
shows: 9h57m22s
